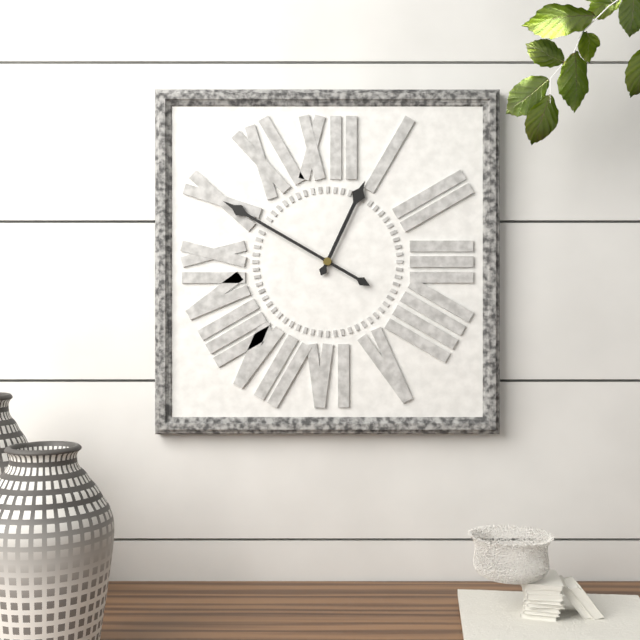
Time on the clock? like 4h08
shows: 12h50
